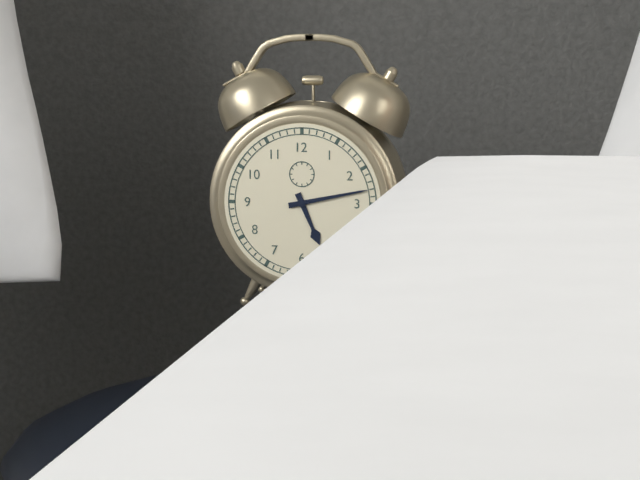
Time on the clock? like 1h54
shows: 5h13
